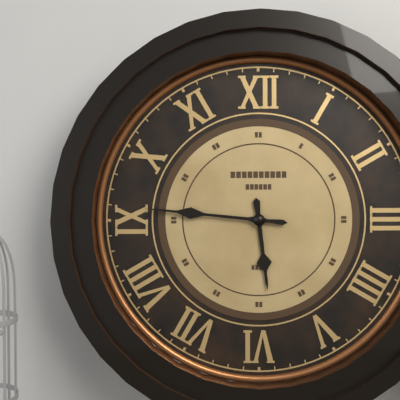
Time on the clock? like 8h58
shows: 5h46
